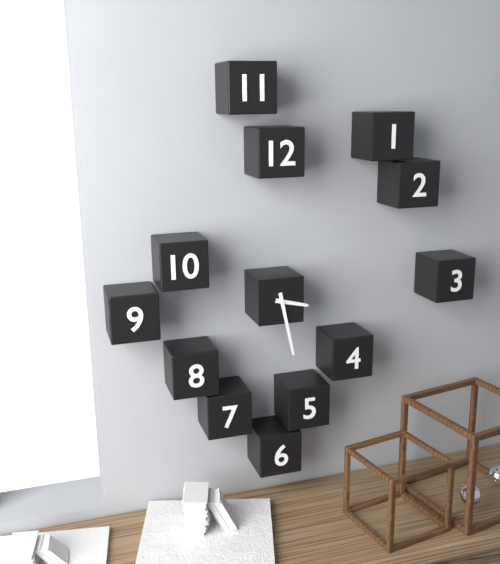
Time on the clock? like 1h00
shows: 3h28
